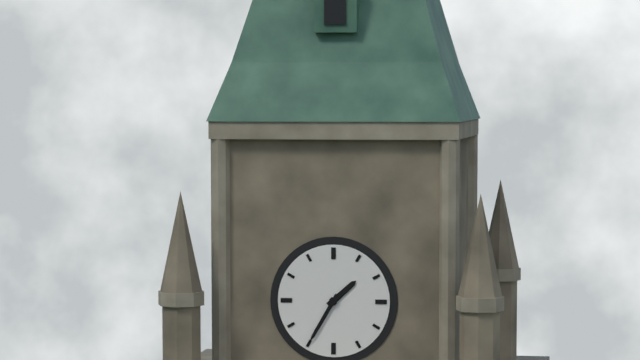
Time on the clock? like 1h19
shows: 1h35
